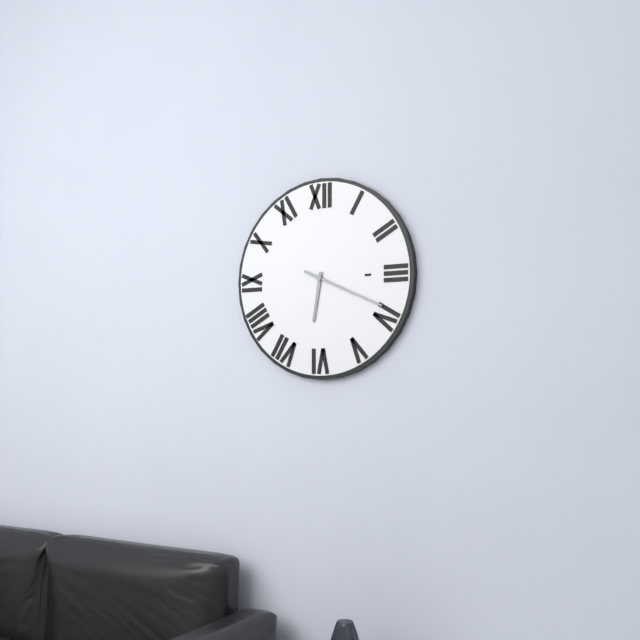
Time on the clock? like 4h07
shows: 6h19
